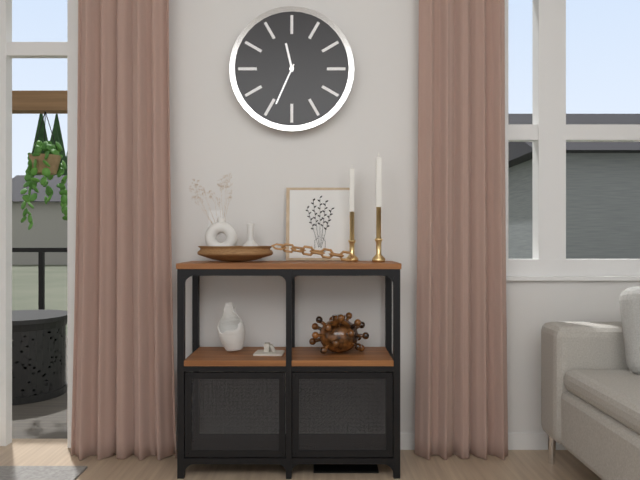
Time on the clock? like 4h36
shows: 11h34
